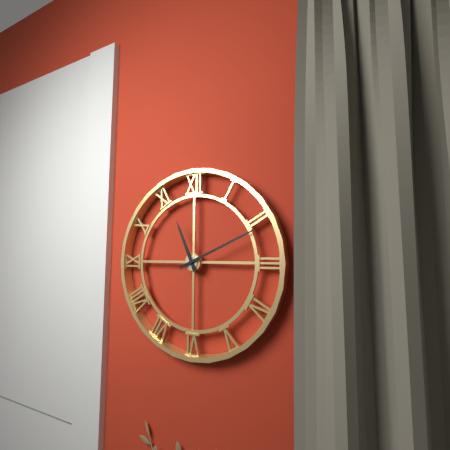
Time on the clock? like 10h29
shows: 11h11
